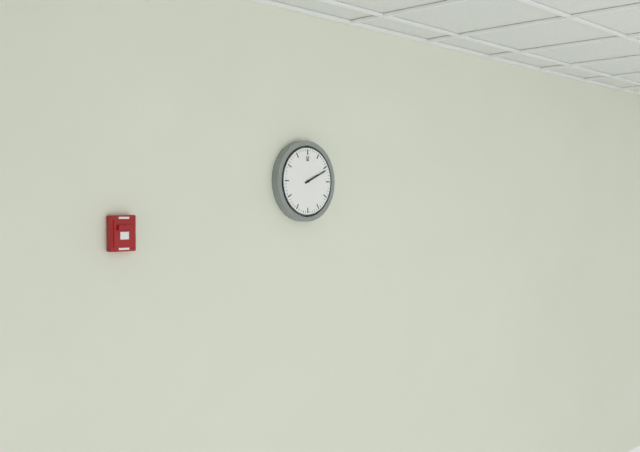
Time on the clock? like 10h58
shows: 2h11
